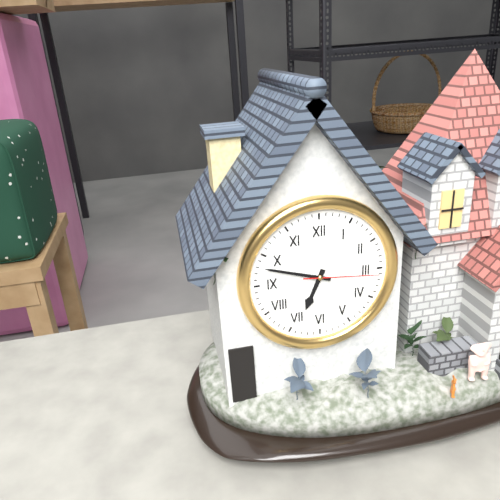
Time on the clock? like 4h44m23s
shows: 6h48m16s
